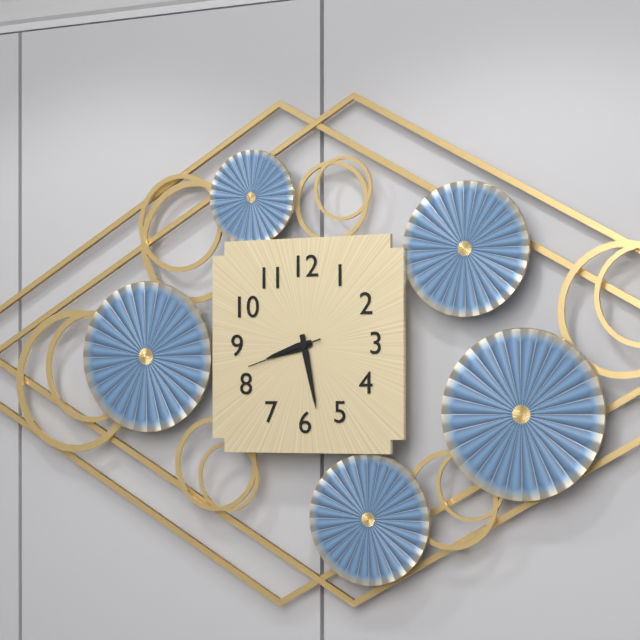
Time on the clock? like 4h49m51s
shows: 8h28m42s
